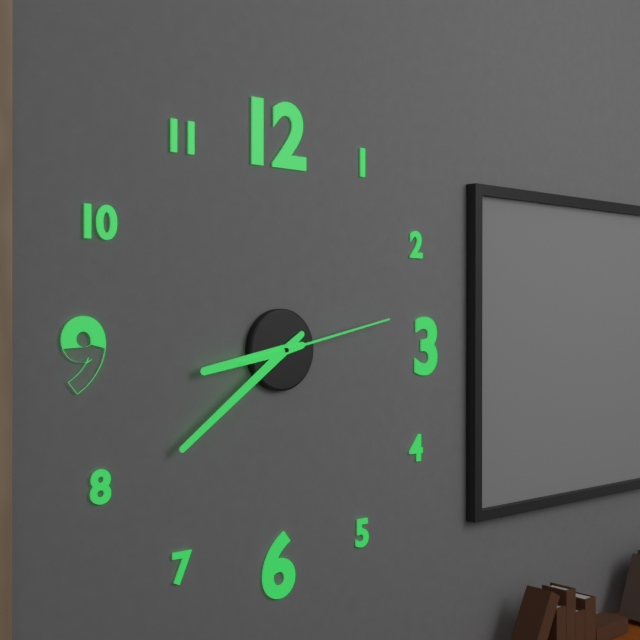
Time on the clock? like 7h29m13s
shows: 8h39m13s
